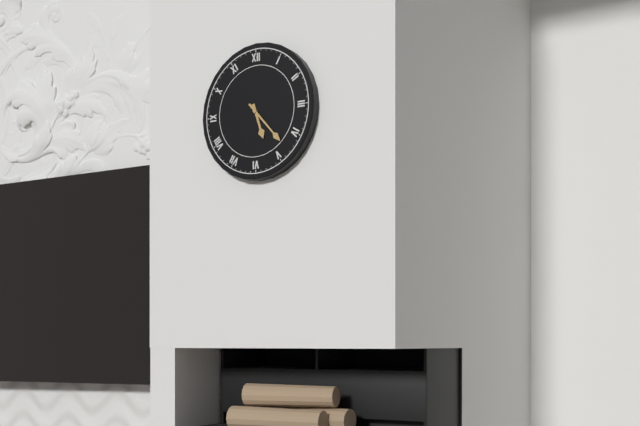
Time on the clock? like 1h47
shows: 5h23
